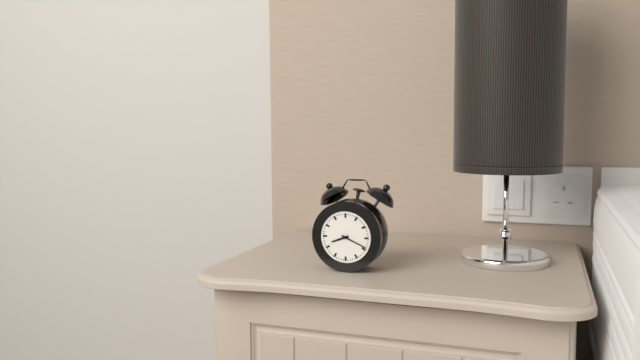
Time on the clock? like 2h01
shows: 8h19
